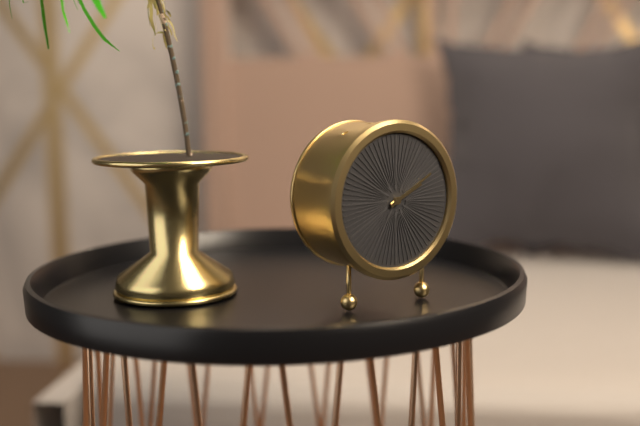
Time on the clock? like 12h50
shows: 2h10
